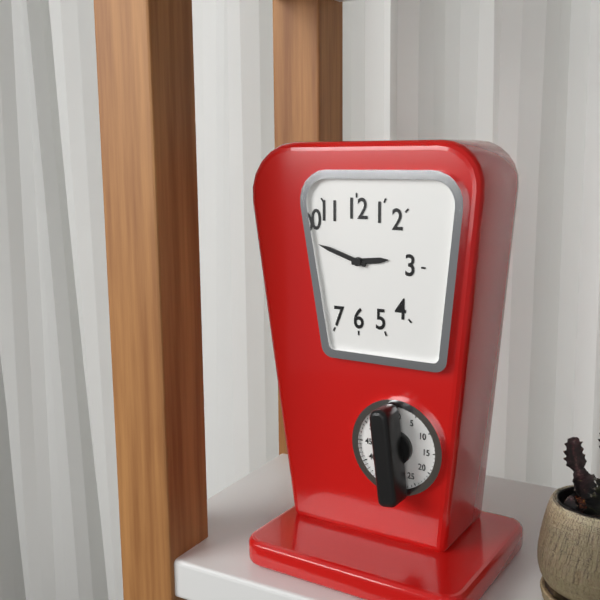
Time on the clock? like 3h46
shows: 2h48
